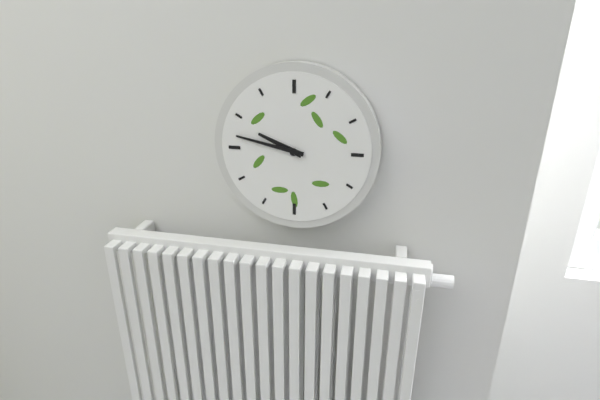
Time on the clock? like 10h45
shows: 9h47
